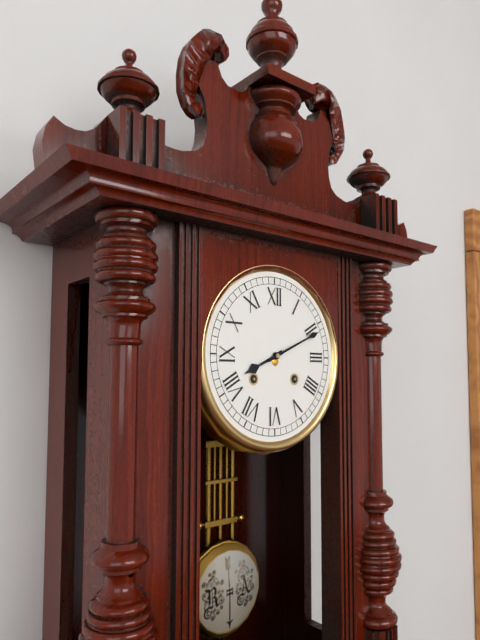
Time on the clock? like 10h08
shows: 8h11
